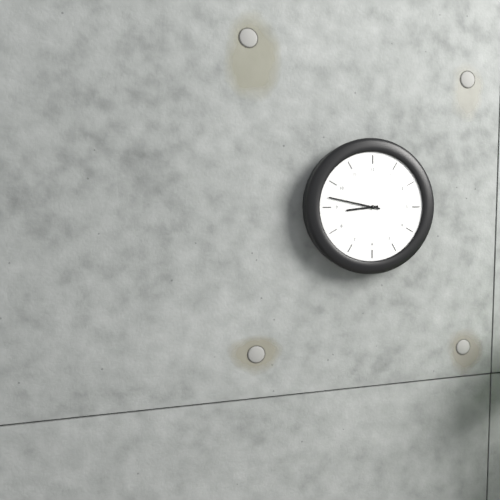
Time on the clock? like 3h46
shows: 8h47
